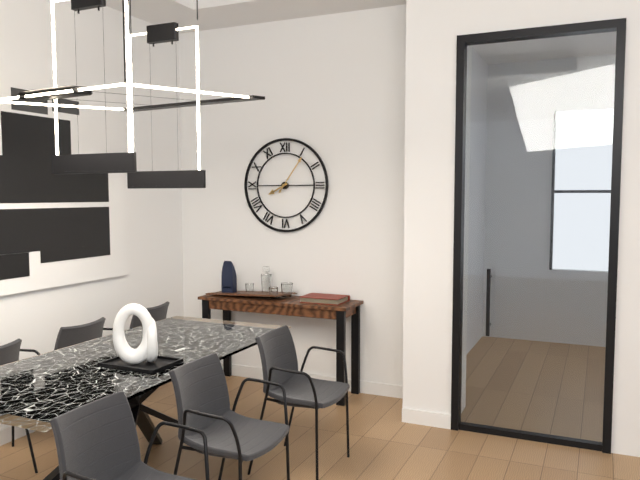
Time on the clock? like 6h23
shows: 8h06
